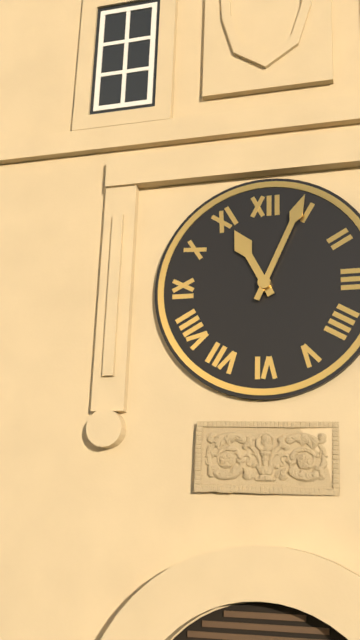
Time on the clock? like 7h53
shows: 11h04
